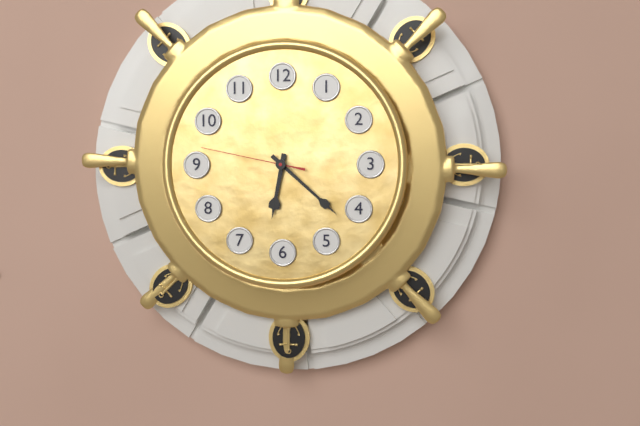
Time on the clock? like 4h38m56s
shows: 6h22m47s
